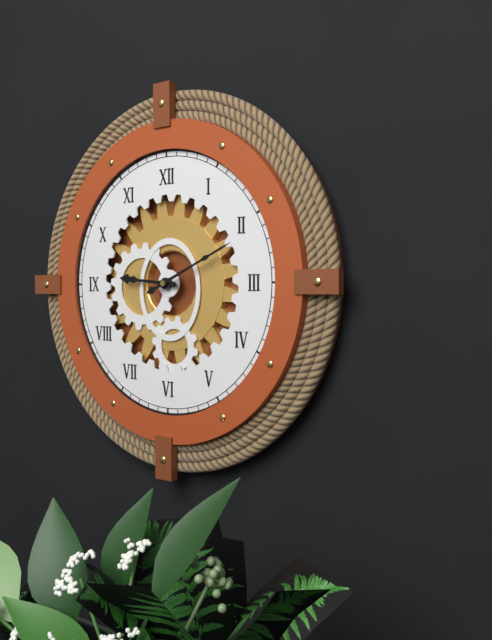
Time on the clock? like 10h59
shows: 9h11
